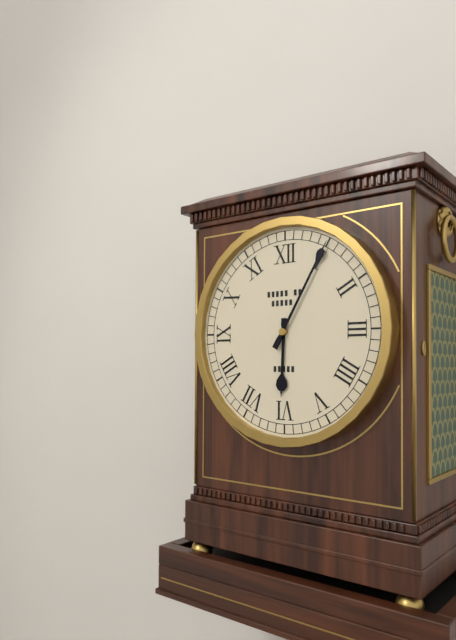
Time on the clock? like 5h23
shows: 6h05
